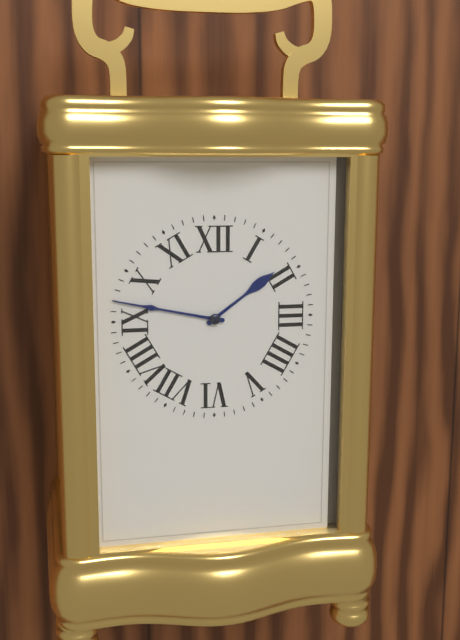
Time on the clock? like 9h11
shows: 1h47
